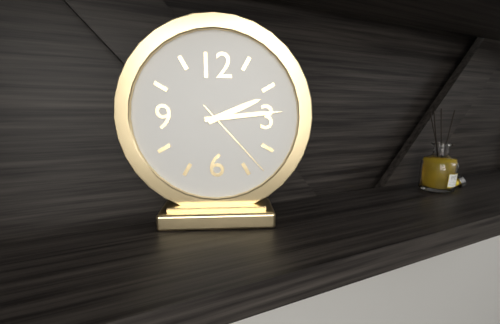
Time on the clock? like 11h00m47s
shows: 2h14m23s
